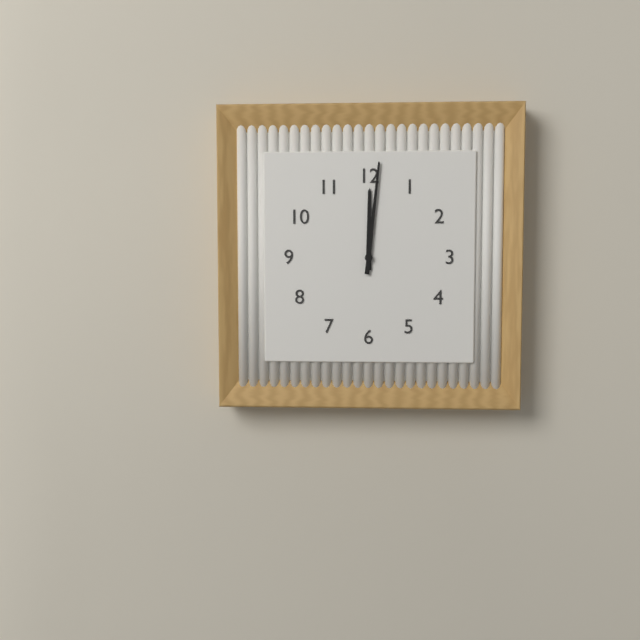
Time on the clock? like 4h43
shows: 12h01
